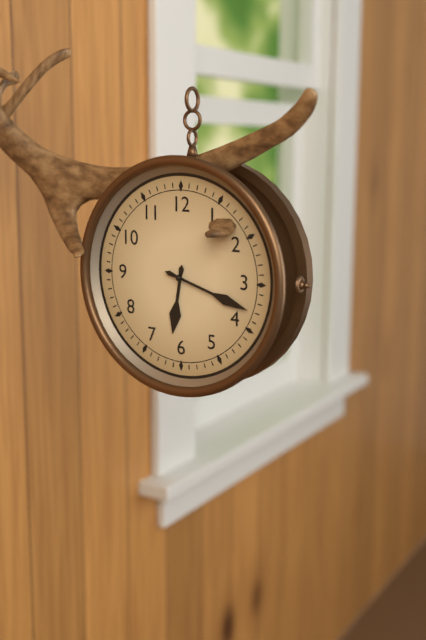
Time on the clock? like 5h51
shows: 6h18
